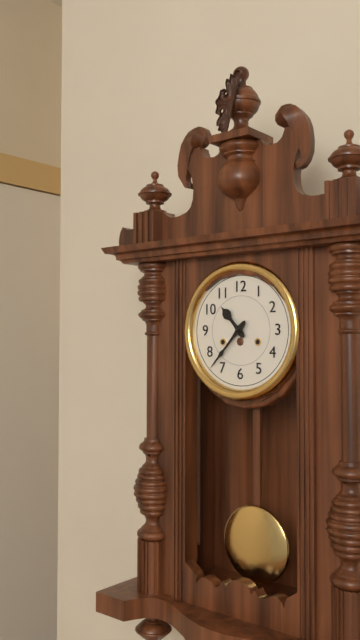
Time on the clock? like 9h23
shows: 10h37
